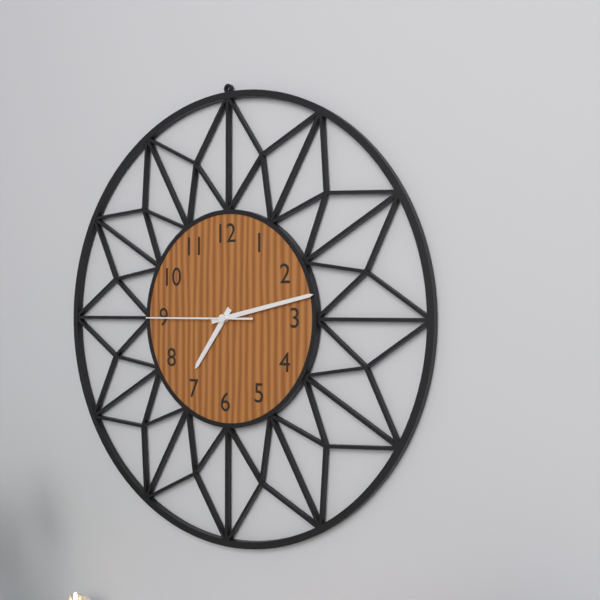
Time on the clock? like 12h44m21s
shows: 7h13m45s
